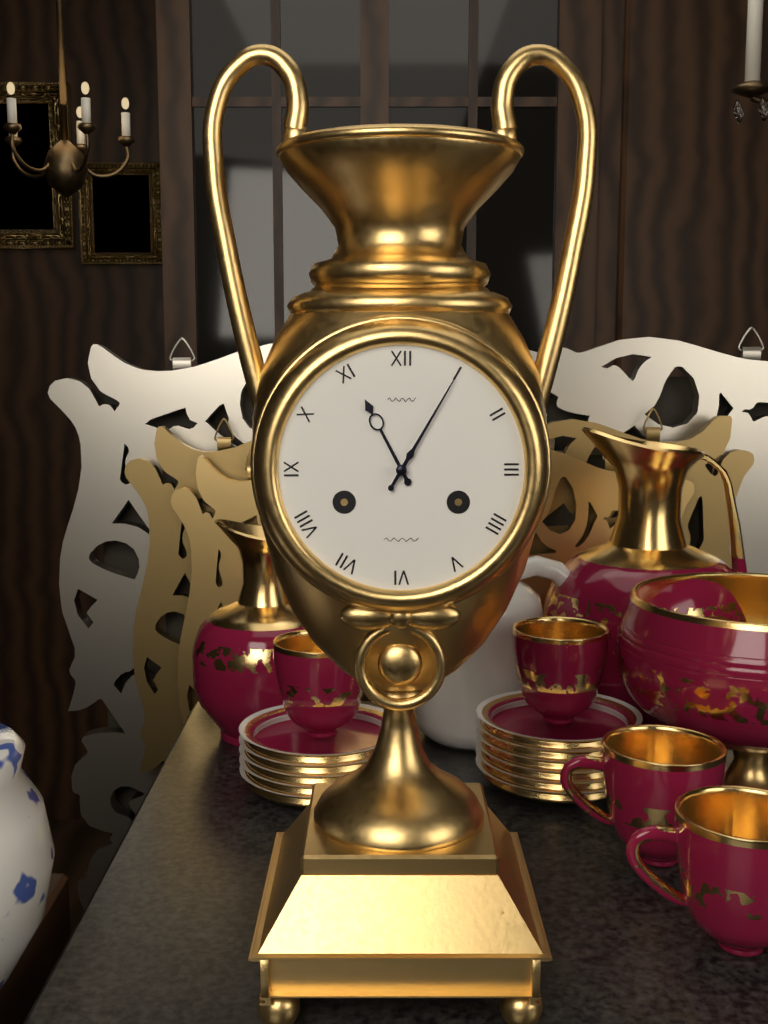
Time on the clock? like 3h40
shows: 11h05
